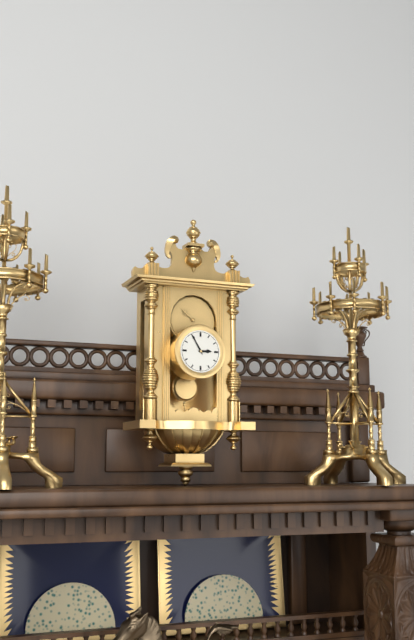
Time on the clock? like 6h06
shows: 2h55
